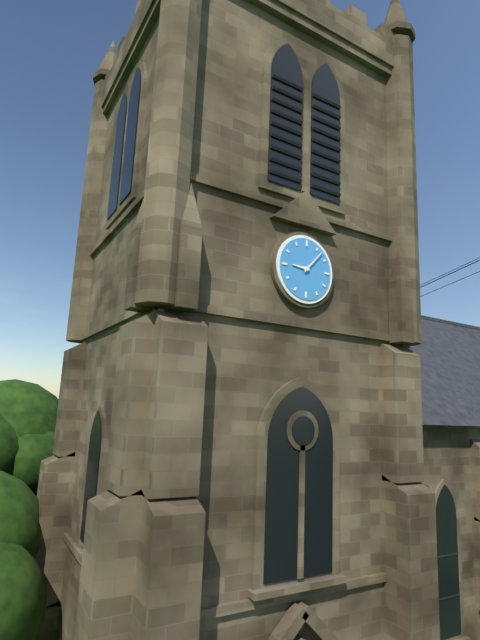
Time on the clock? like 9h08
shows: 9h07
